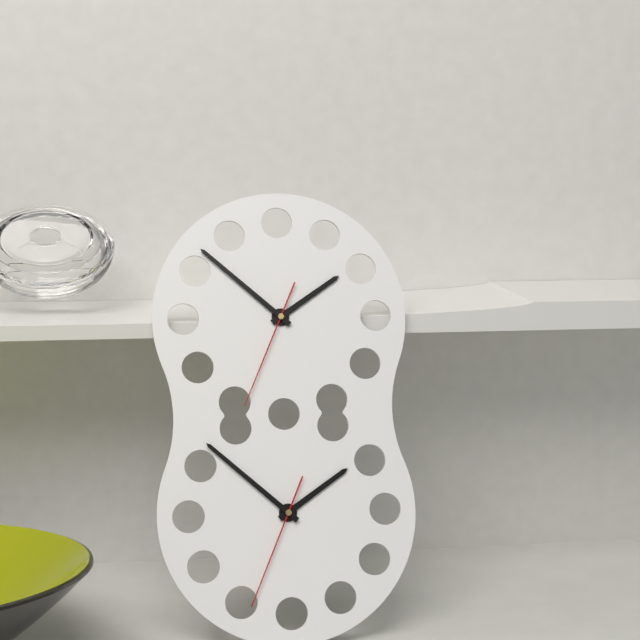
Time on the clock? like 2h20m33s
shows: 1h52m34s
